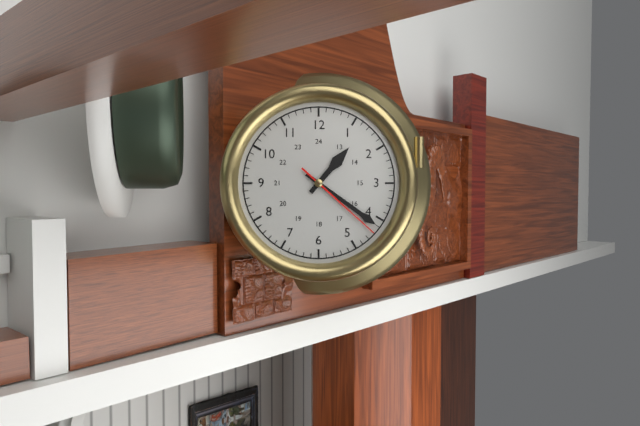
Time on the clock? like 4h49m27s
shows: 1h21m22s
